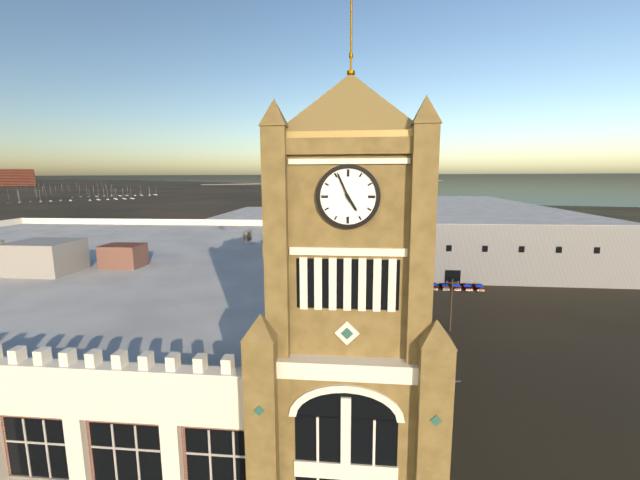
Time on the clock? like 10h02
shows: 4h56
